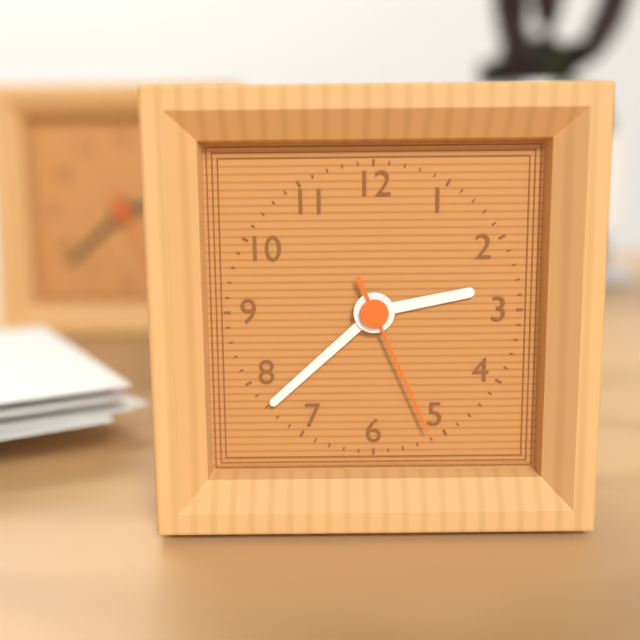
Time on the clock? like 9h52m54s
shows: 2h38m26s
